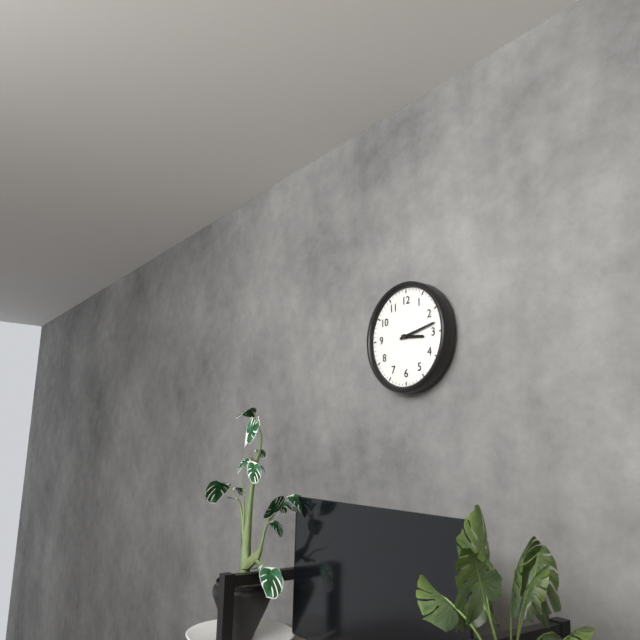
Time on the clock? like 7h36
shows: 3h13
